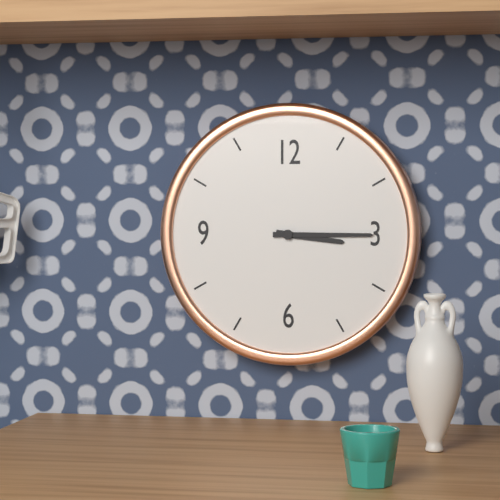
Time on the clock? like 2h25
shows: 3h15
